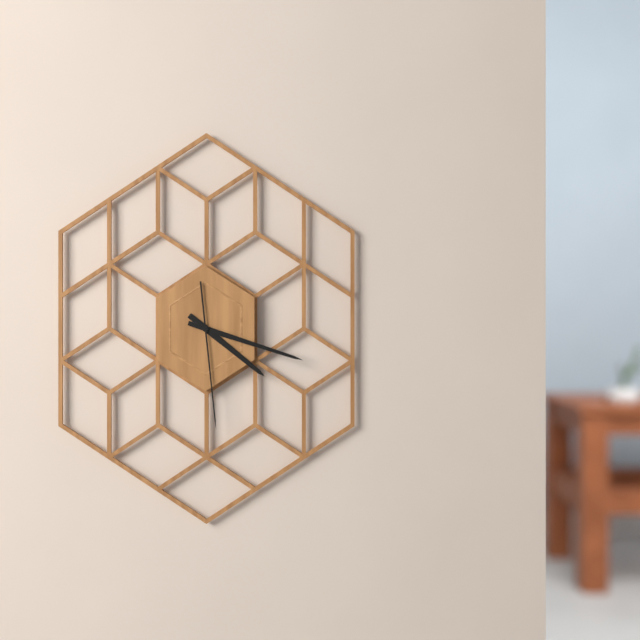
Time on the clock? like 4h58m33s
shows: 4h18m29s
